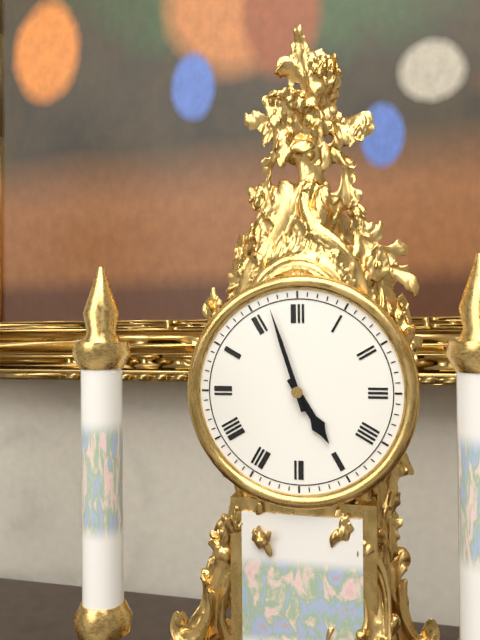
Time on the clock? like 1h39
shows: 4h57
